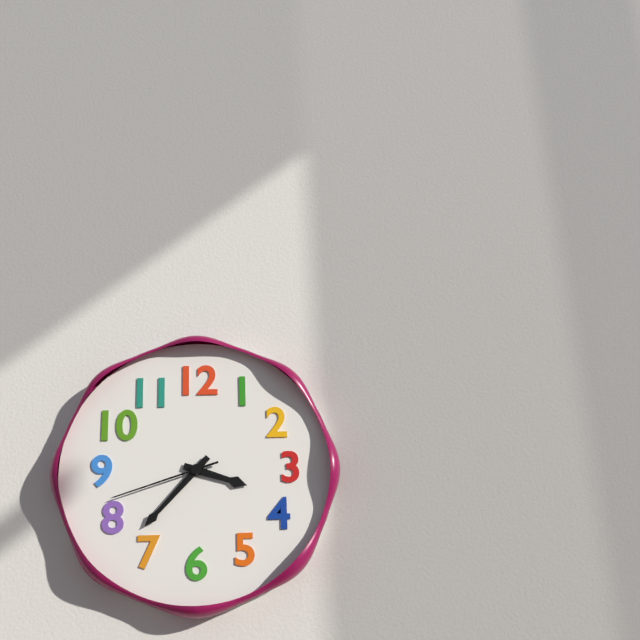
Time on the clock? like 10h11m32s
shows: 3h37m42s
